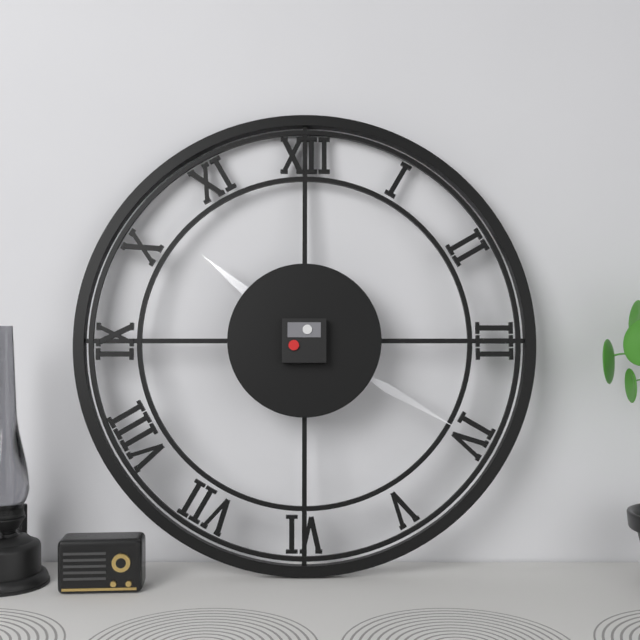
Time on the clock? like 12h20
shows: 10h20
